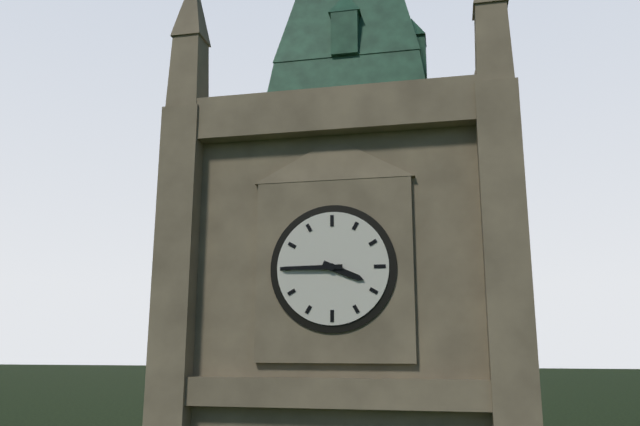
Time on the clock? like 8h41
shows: 3h45
